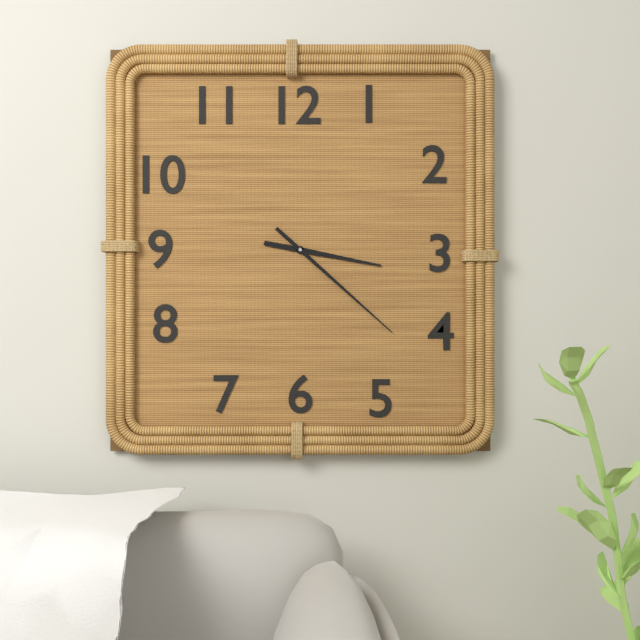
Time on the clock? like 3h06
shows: 3h22
